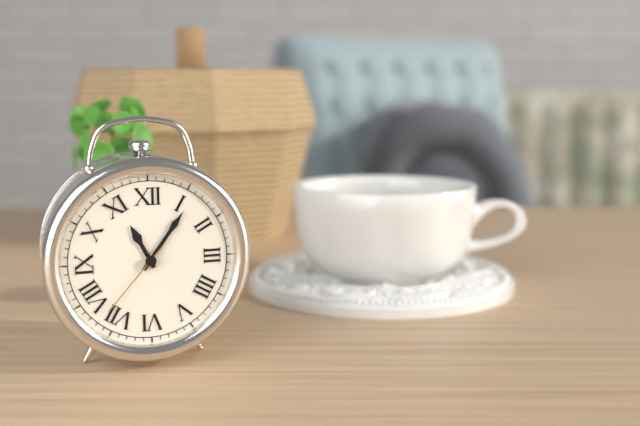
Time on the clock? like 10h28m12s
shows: 11h06m37s
